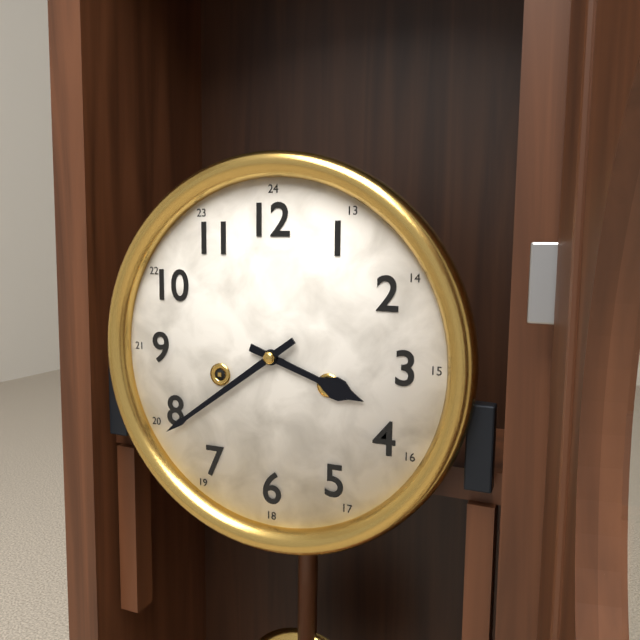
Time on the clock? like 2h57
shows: 3h39
